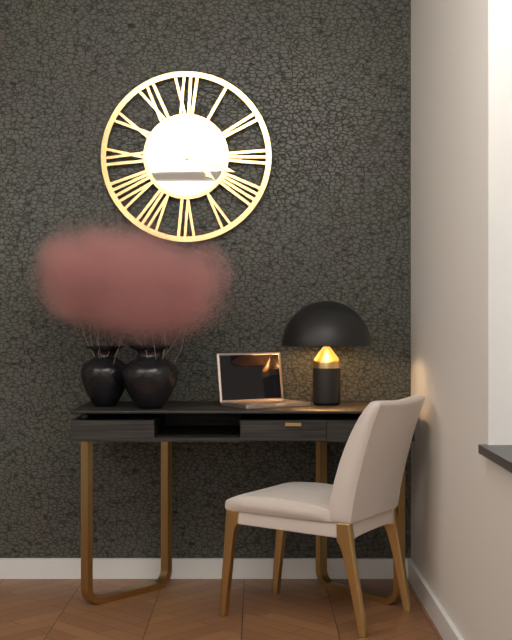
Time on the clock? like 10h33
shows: 4h18
